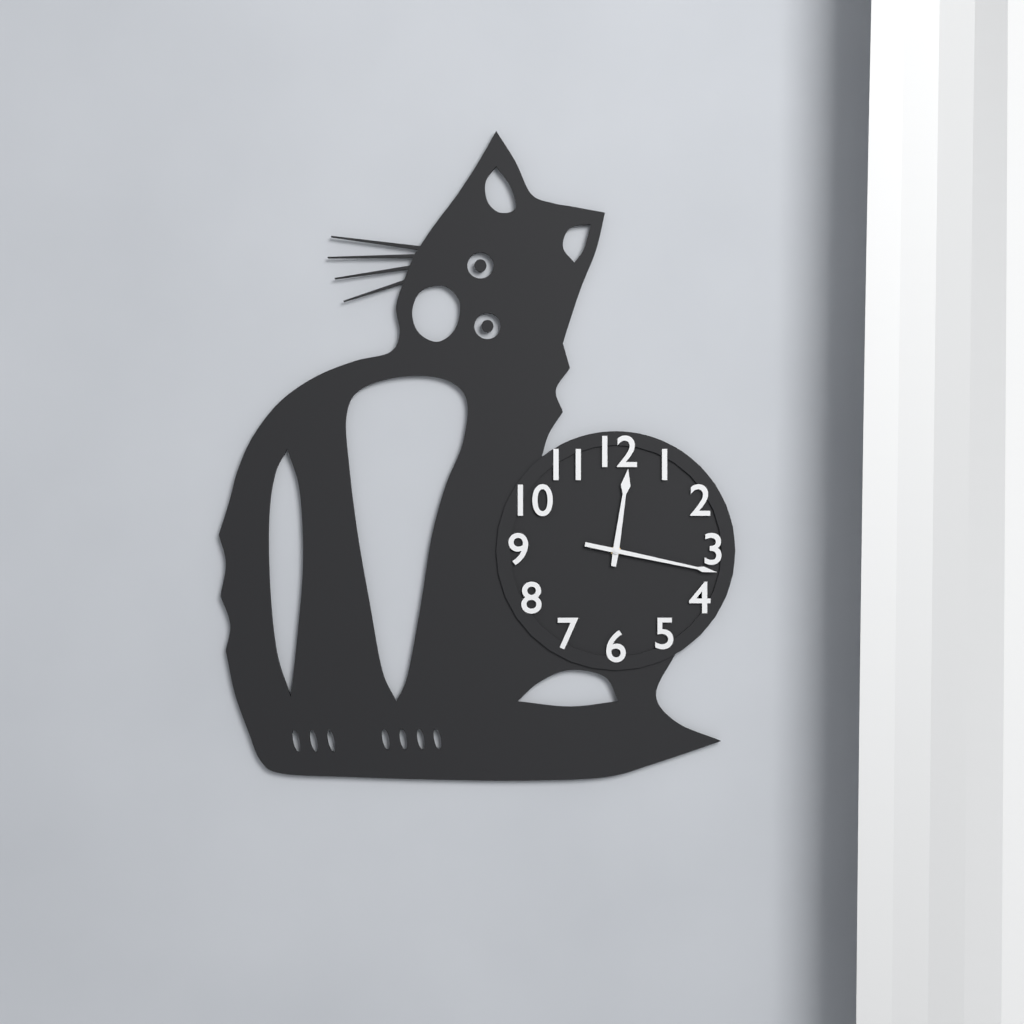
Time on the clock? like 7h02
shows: 12h17
